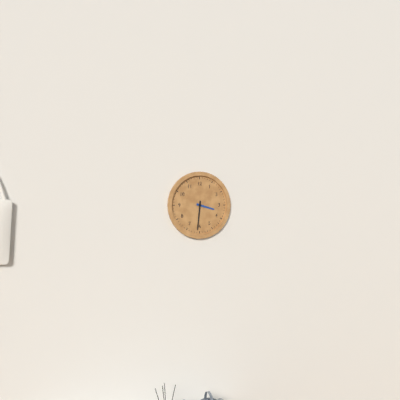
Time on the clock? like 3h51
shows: 3h31
